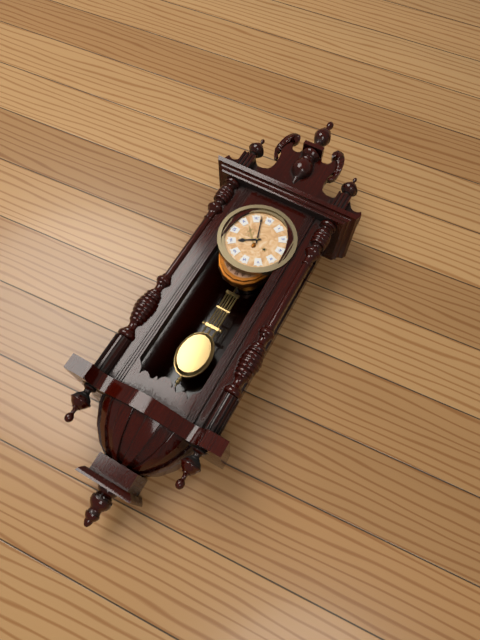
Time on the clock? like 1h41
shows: 7h57
